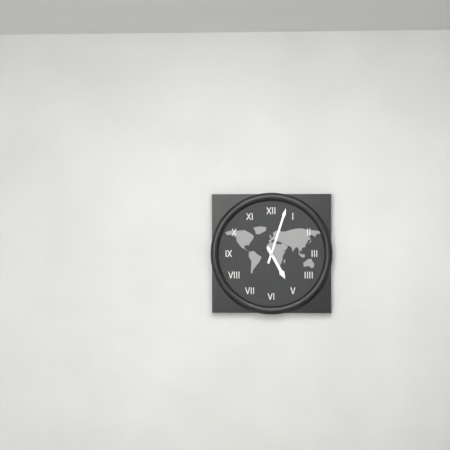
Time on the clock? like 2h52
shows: 5h03
